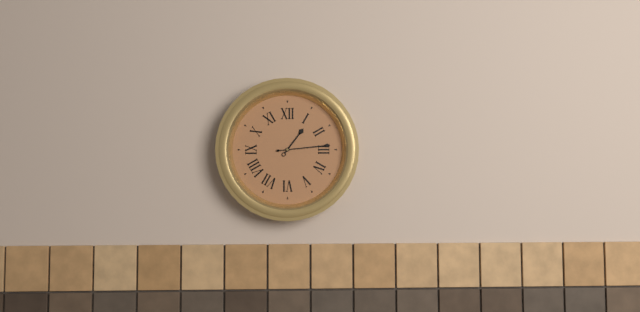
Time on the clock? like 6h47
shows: 1h14
